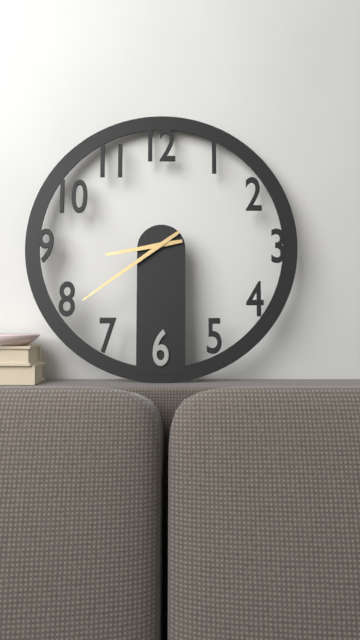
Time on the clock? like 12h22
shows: 8h39
